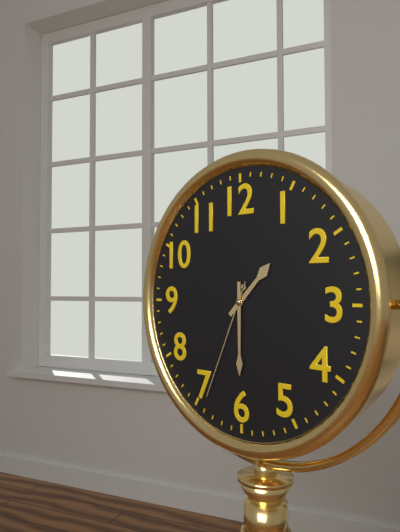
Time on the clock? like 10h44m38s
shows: 1h30m34s
